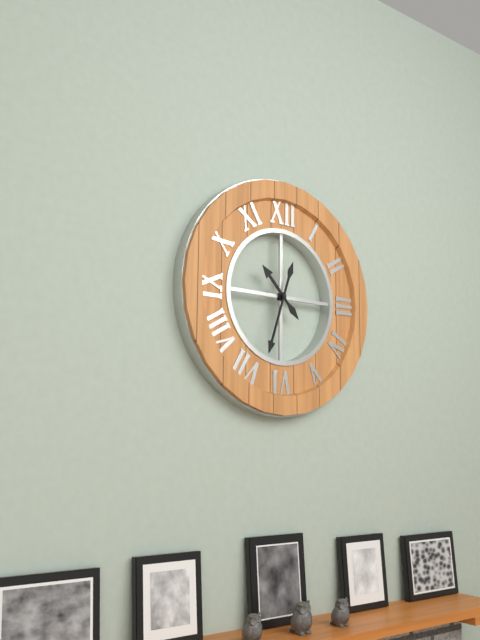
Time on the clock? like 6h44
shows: 10h33
